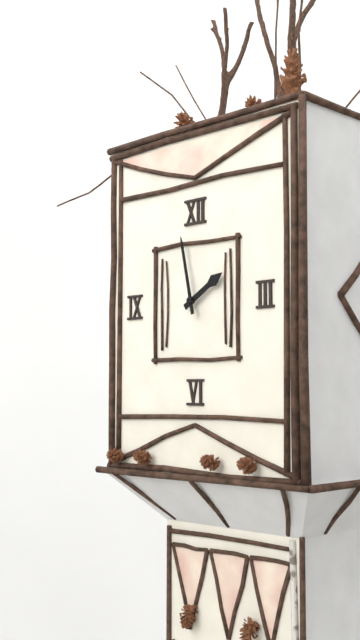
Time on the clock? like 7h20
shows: 1h58
